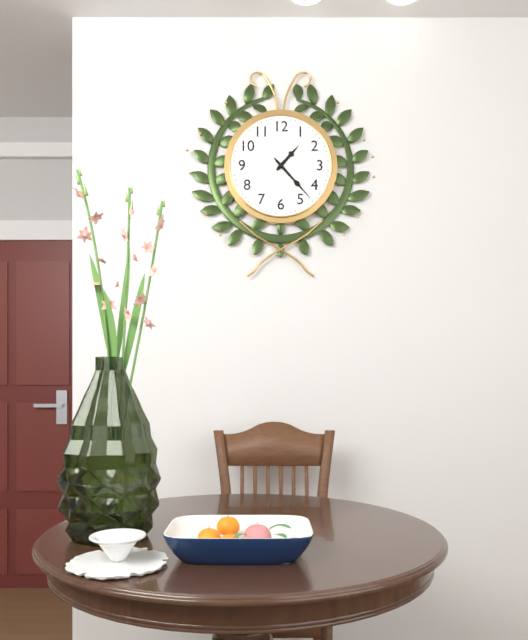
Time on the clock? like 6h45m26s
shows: 1h23m23s
